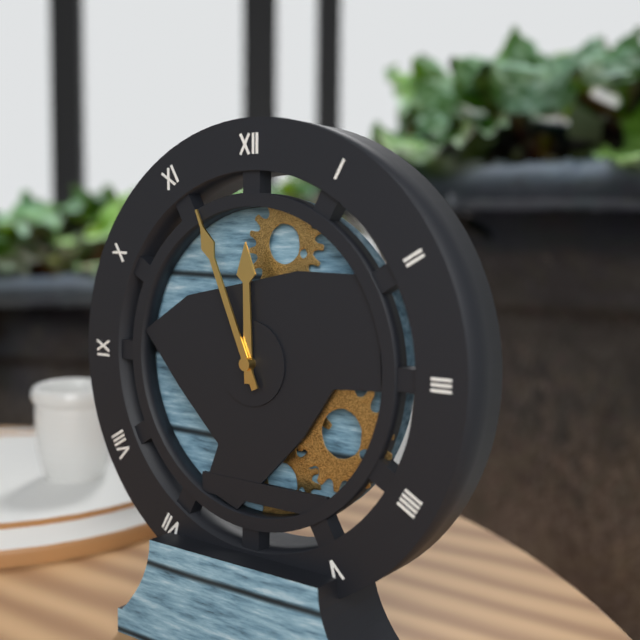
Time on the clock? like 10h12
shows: 11h56
